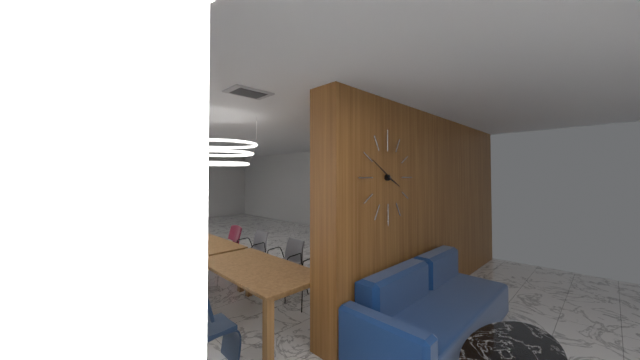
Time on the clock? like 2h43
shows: 3h50
